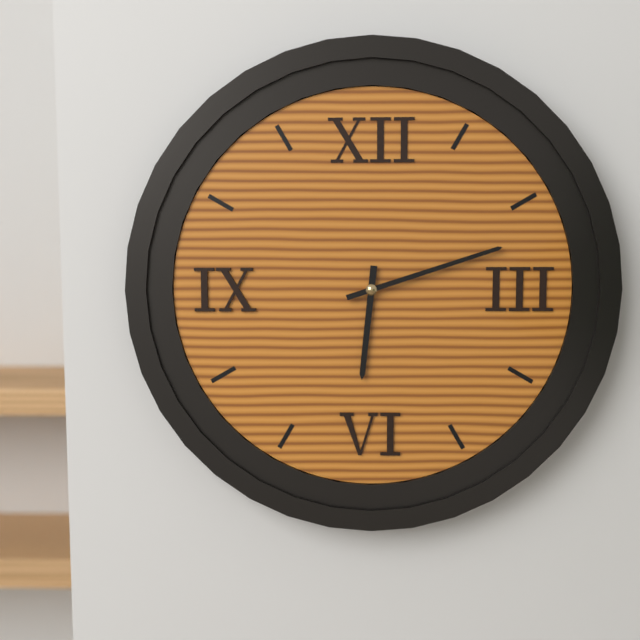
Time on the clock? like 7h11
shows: 6h12
